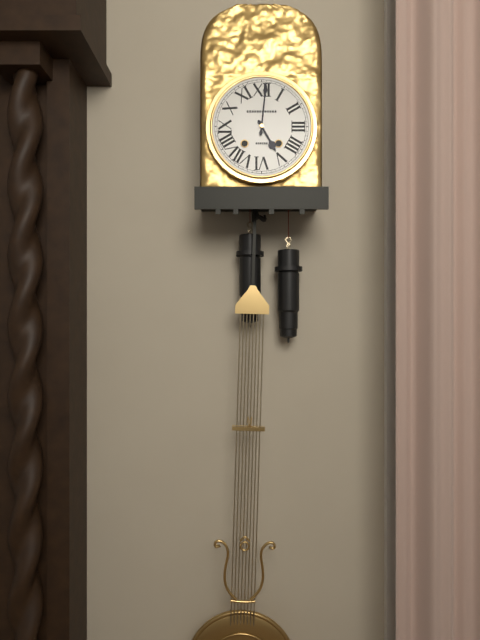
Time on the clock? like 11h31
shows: 5h01
